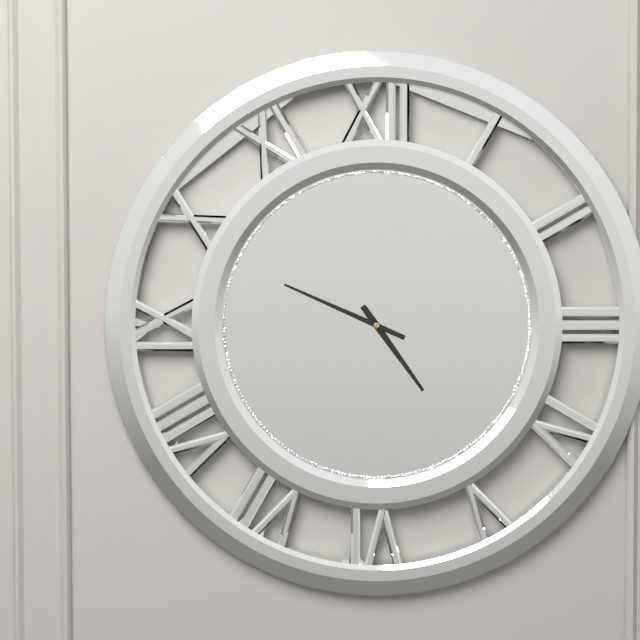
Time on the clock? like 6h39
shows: 4h49
